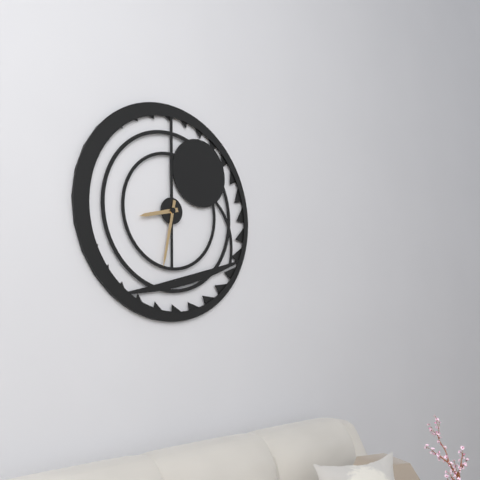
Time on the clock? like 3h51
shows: 8h32
